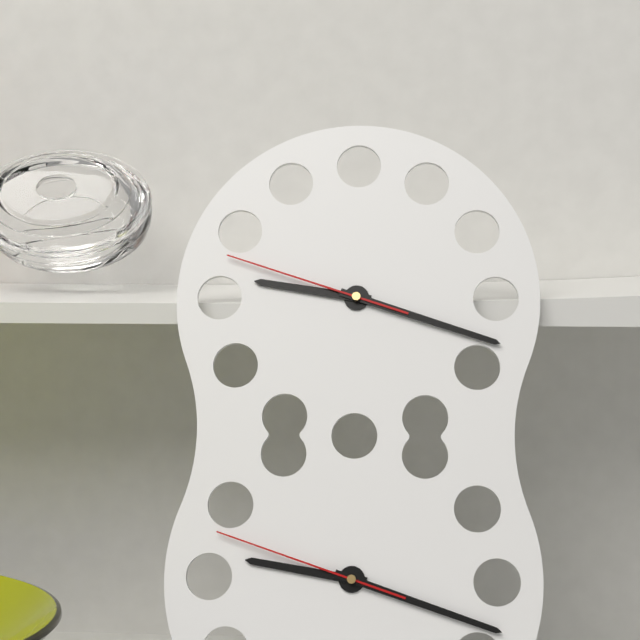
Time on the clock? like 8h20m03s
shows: 9h18m48s
